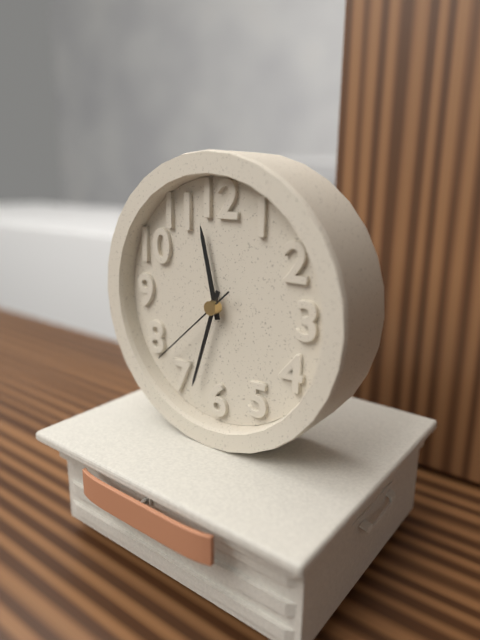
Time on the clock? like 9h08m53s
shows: 11h33m38s
